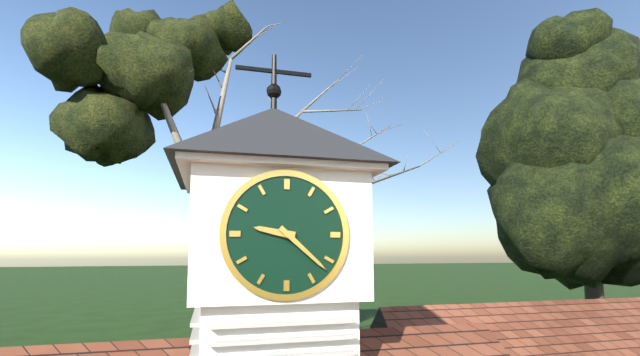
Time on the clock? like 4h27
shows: 9h22
